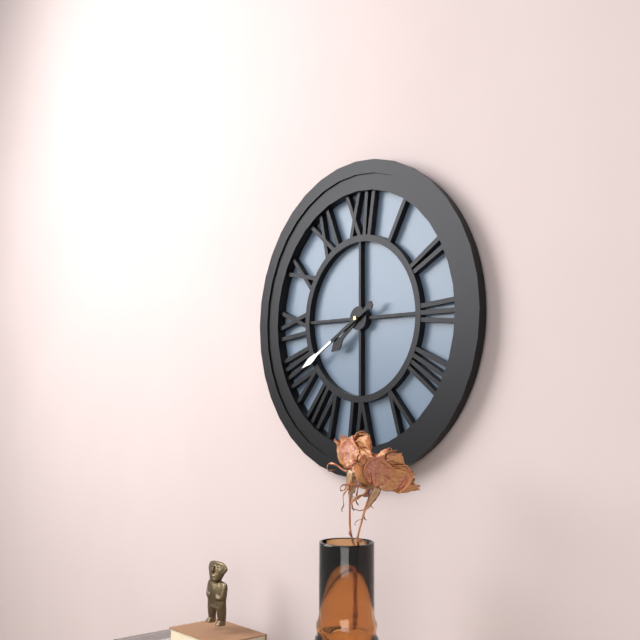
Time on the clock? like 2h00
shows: 7h40
